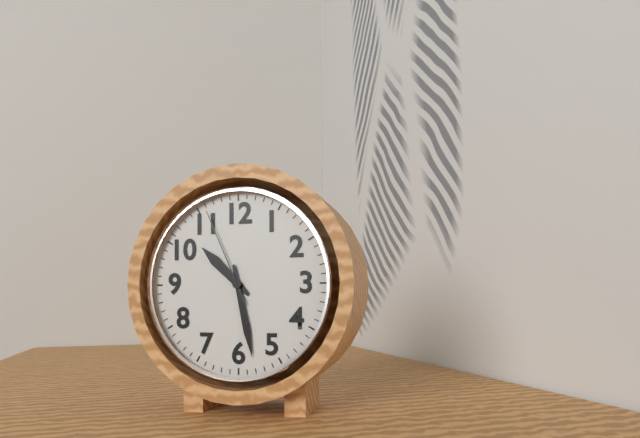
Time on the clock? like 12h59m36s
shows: 10h28m56s
